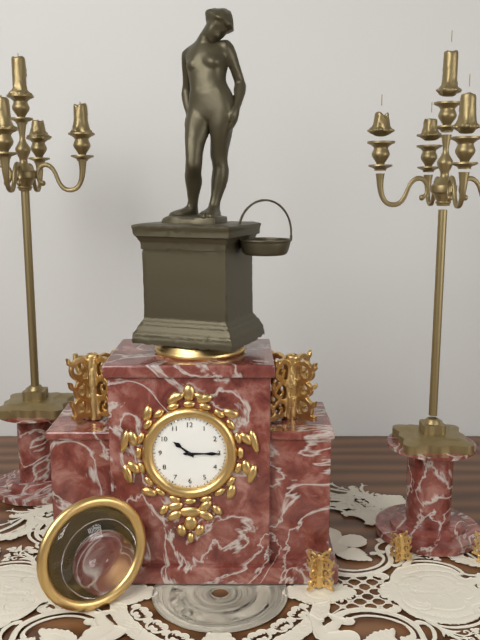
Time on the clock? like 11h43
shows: 10h15
